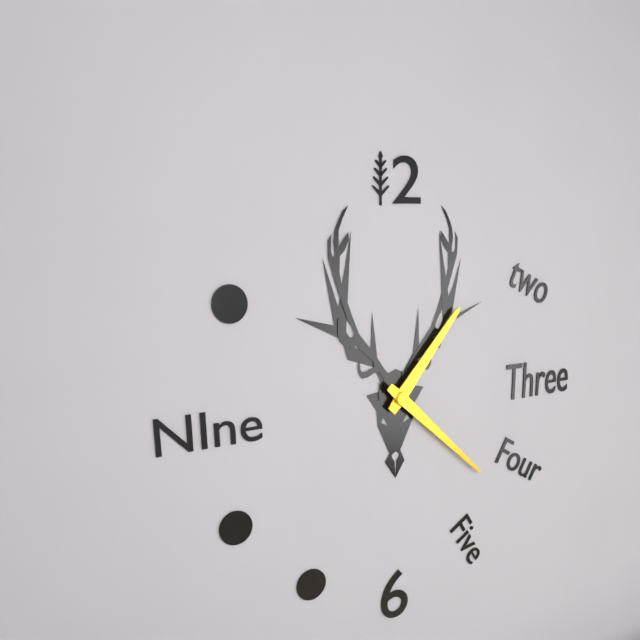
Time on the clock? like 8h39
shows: 1h22
